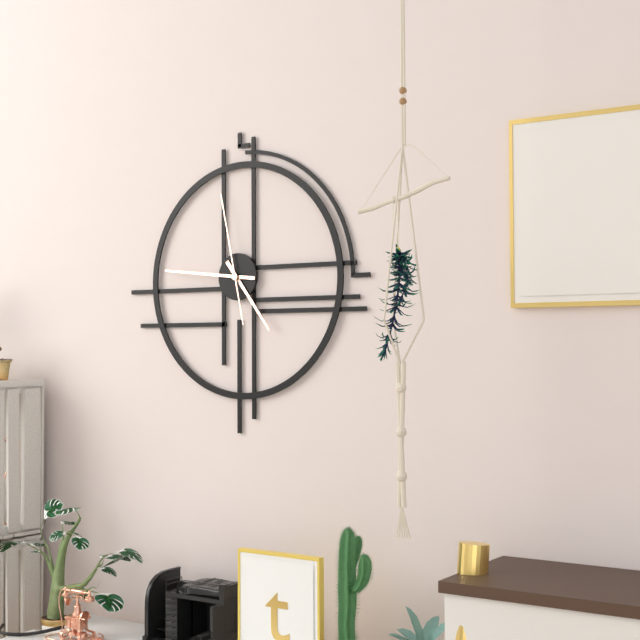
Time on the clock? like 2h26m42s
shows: 4h46m58s
